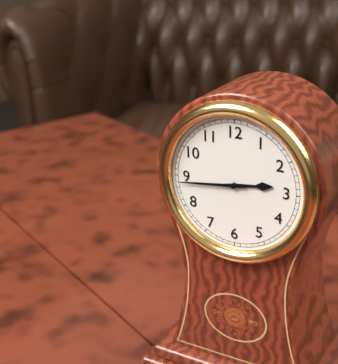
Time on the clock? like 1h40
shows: 2h44
